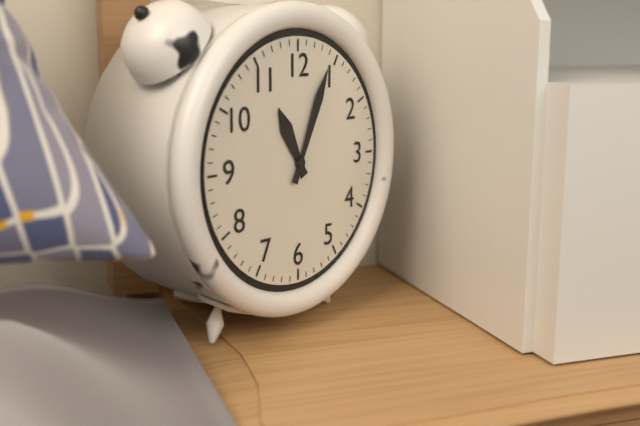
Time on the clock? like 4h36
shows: 11h04
